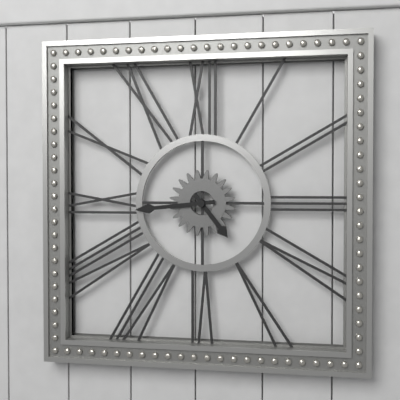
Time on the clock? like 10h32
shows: 4h44
